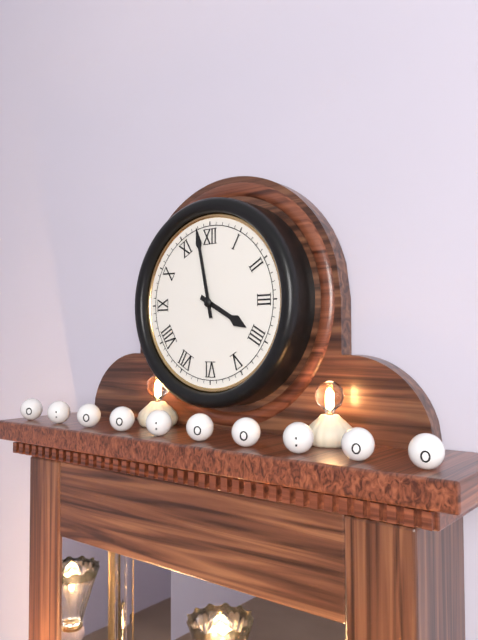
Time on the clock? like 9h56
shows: 3h58
